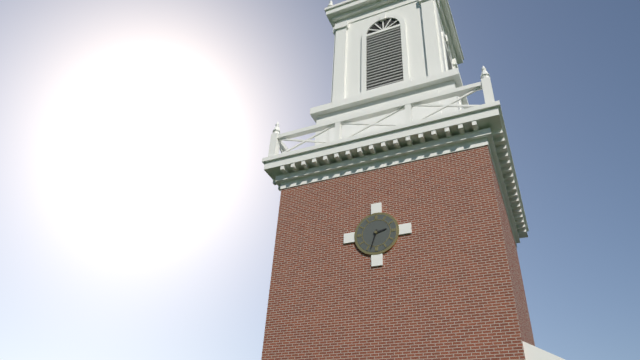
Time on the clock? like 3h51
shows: 2h33
